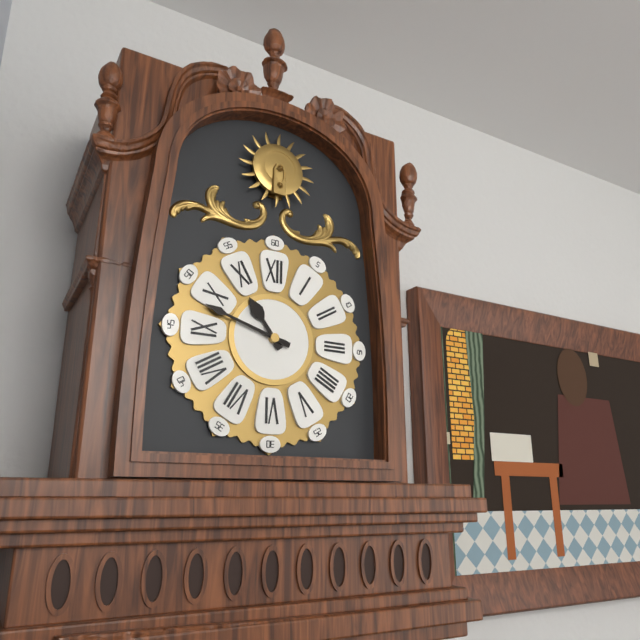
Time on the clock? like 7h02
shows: 10h48
